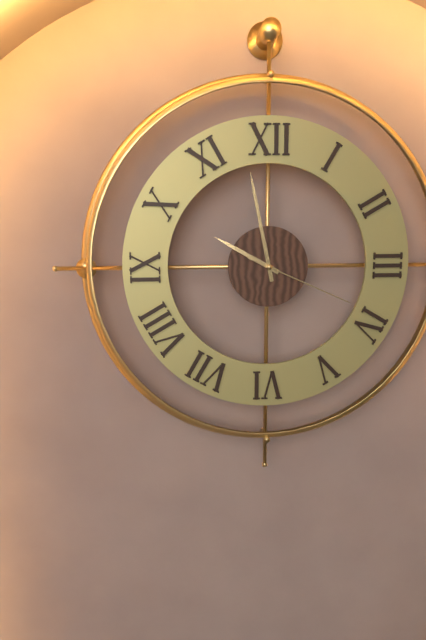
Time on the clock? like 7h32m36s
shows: 9h58m19s
